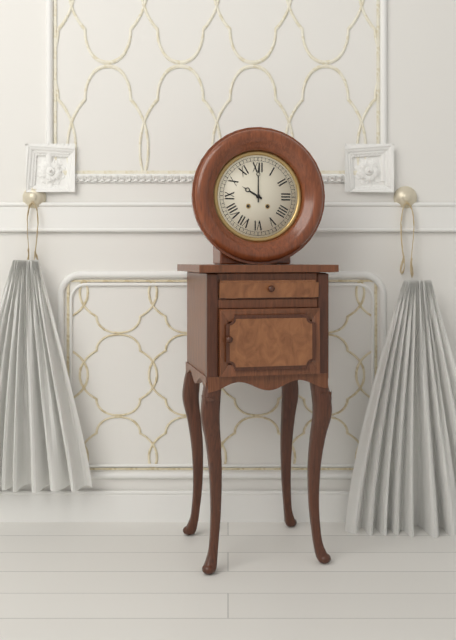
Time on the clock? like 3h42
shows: 10h00
